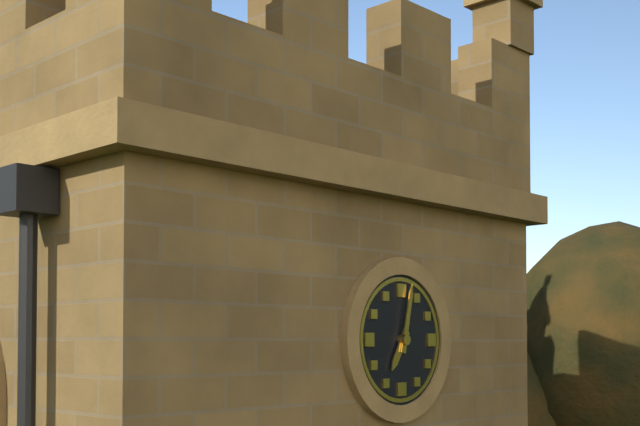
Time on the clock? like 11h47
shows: 7h02
